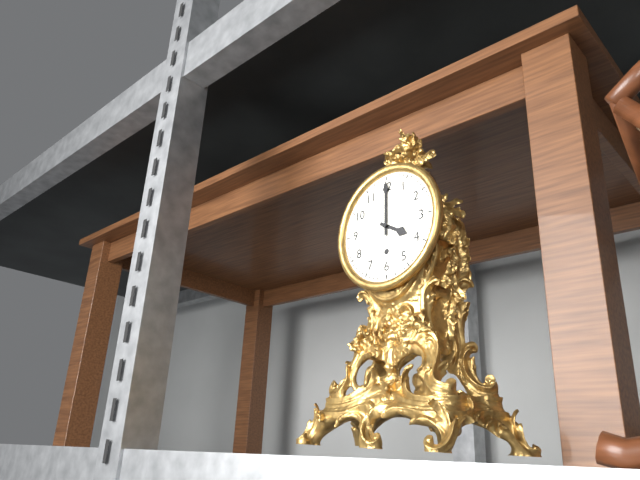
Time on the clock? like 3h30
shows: 4h00
